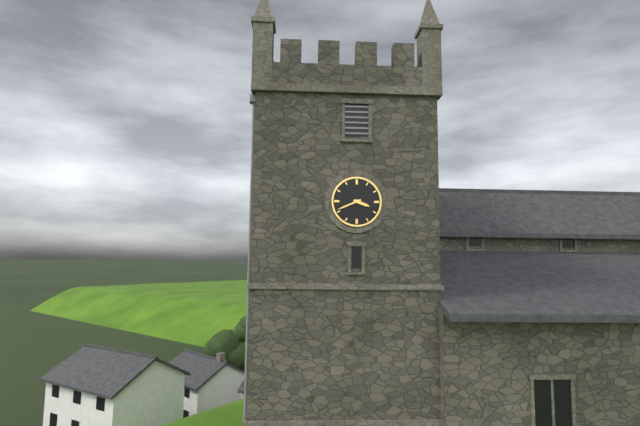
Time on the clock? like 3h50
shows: 3h41
